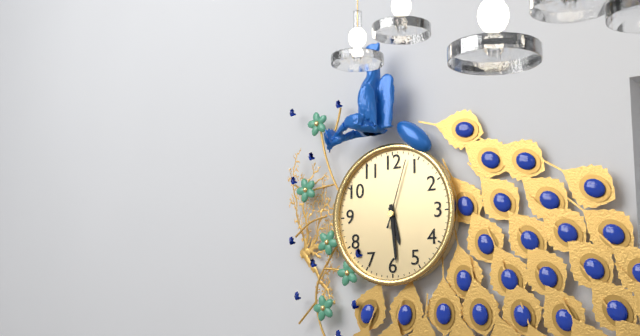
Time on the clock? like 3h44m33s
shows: 5h29m03s
